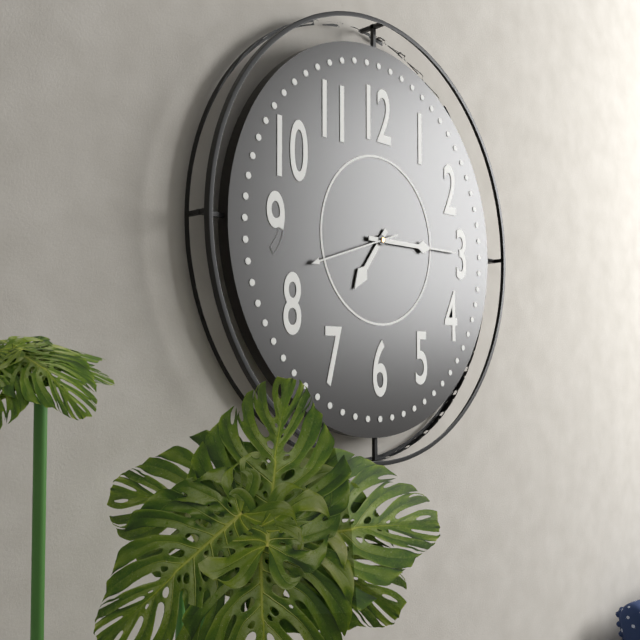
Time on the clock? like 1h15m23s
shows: 7h15m42s
